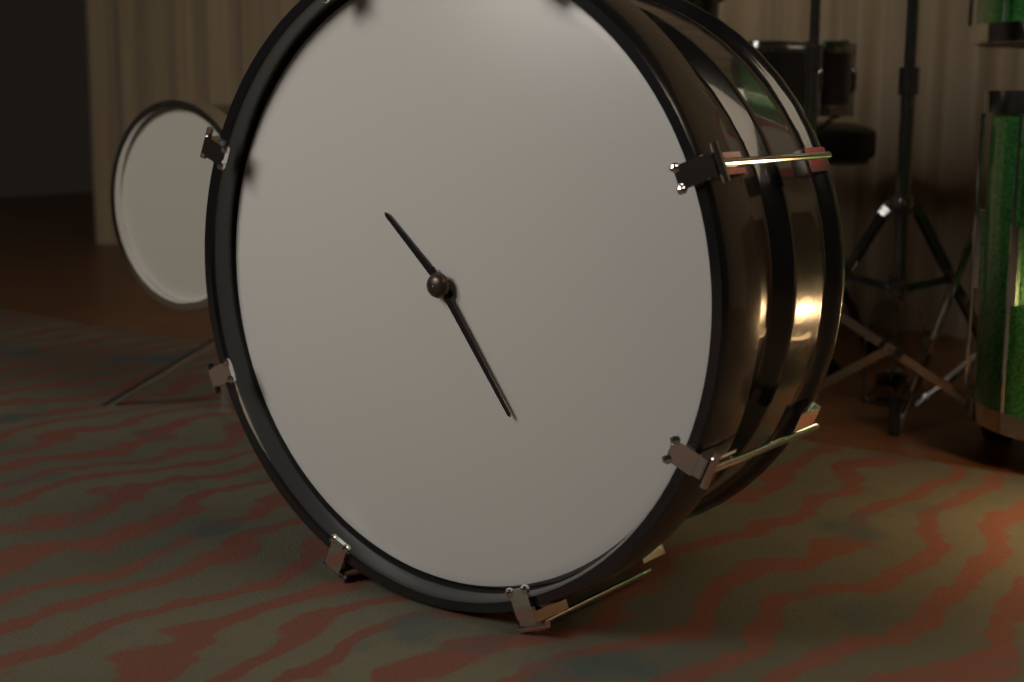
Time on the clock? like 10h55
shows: 10h24
